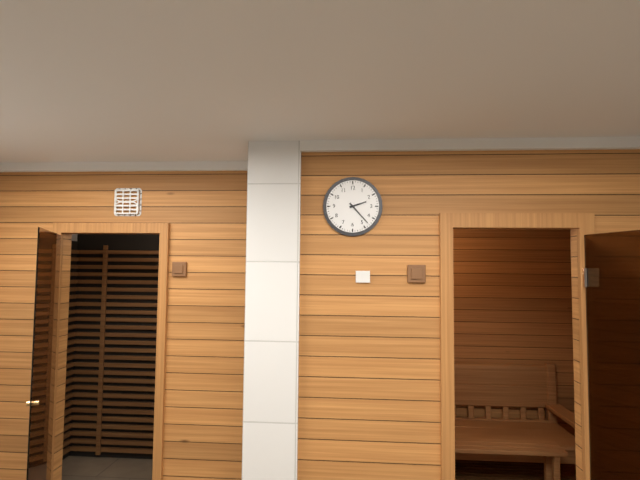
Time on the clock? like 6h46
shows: 2h23
